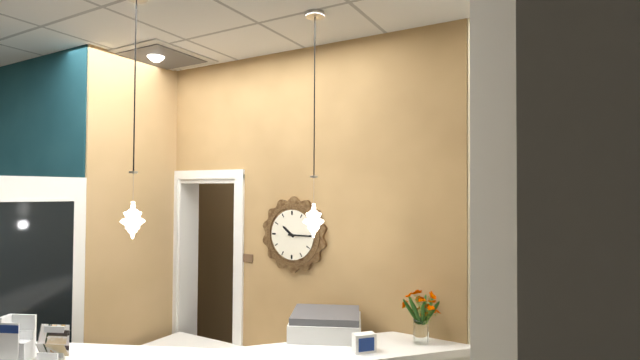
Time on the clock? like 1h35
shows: 10h15
